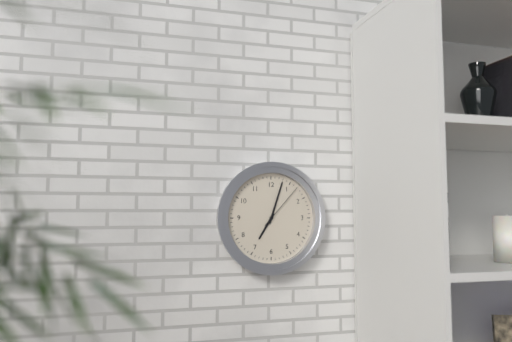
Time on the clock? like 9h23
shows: 7h03
